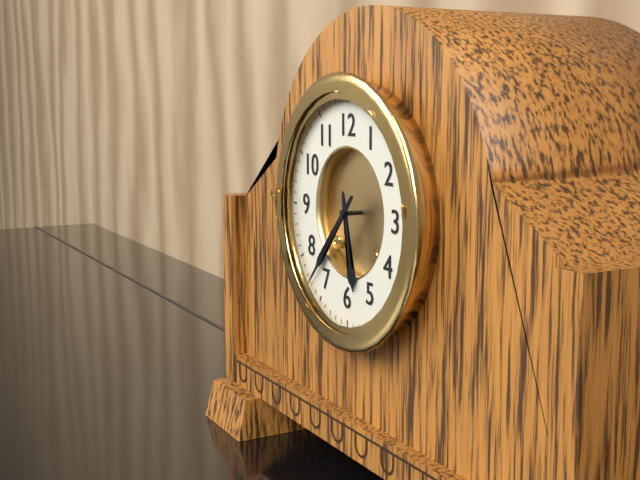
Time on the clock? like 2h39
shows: 5h37
